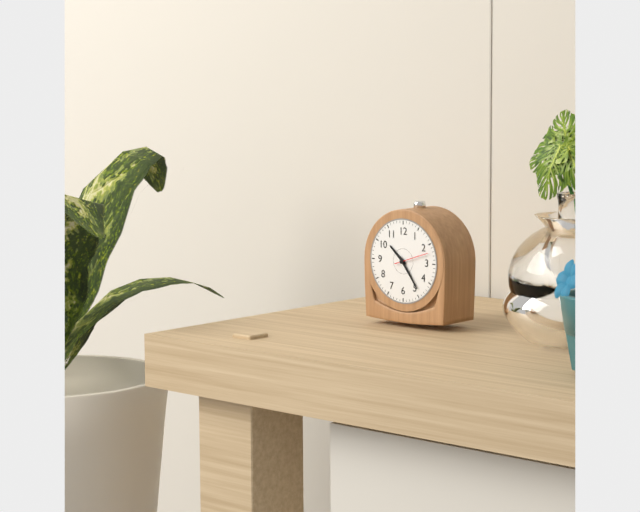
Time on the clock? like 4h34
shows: 10h24
